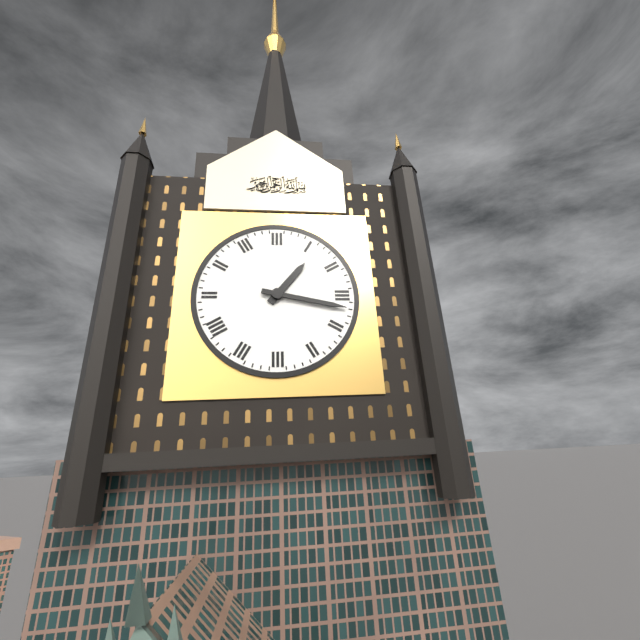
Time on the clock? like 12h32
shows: 1h17
